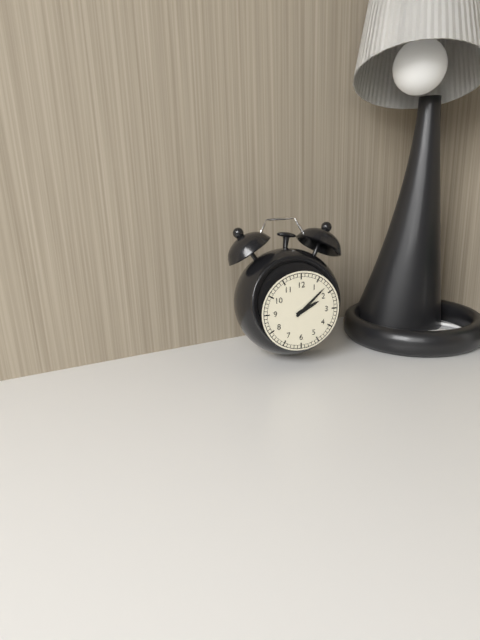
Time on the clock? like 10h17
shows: 2h08
